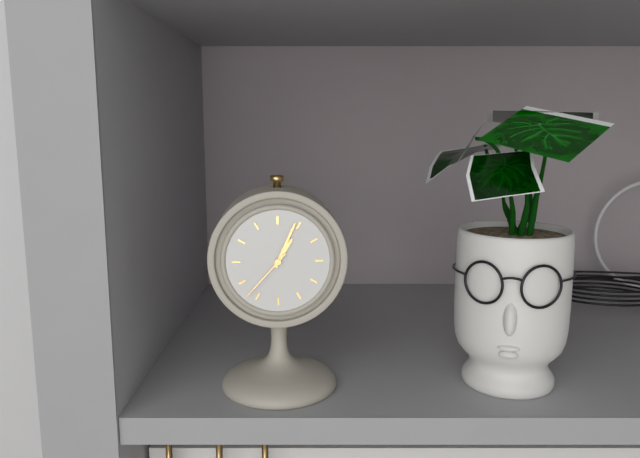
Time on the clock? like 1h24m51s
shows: 1h04m37s
